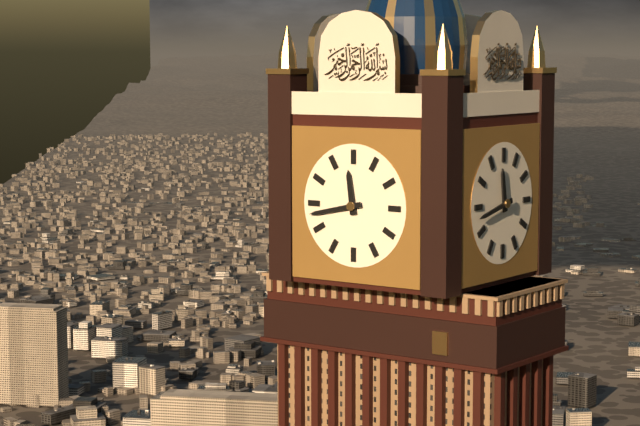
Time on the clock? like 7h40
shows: 11h43
